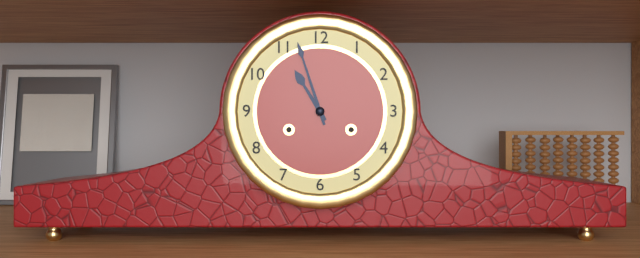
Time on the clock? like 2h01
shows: 10h57
